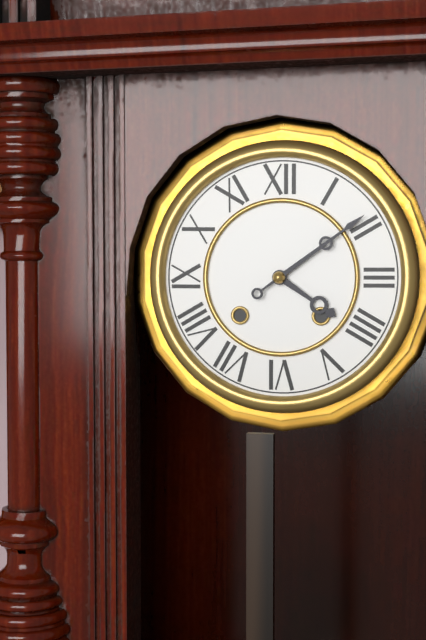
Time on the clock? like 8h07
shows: 4h09
